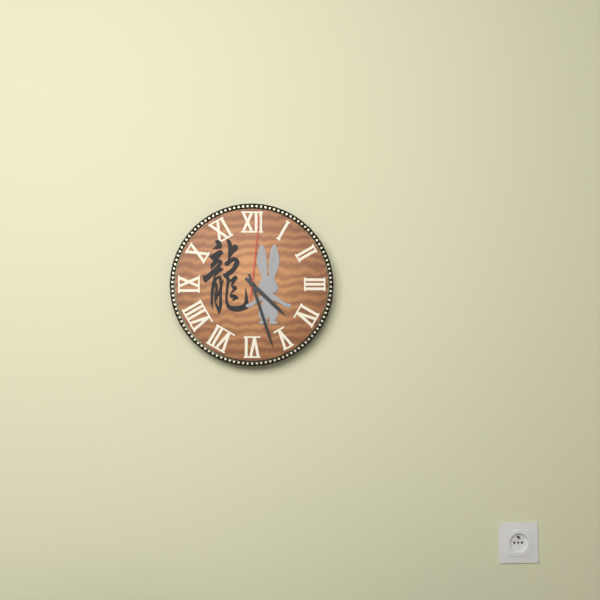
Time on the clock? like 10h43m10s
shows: 4h27m01s
